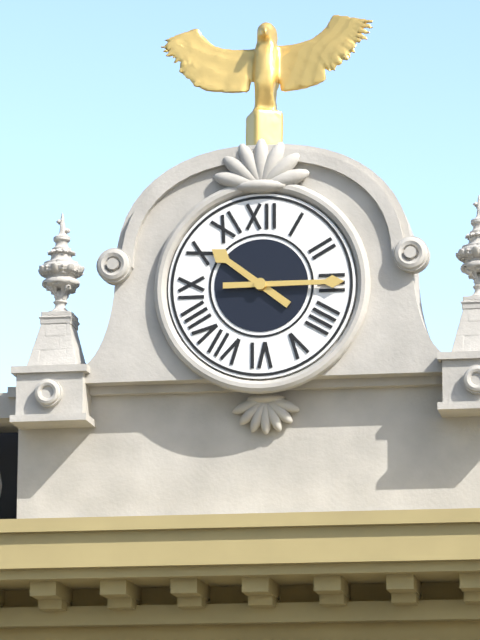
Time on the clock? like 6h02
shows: 10h15
